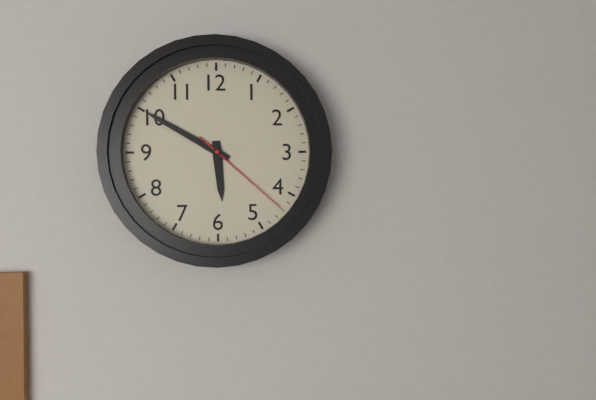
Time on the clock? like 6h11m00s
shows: 5h50m22s
